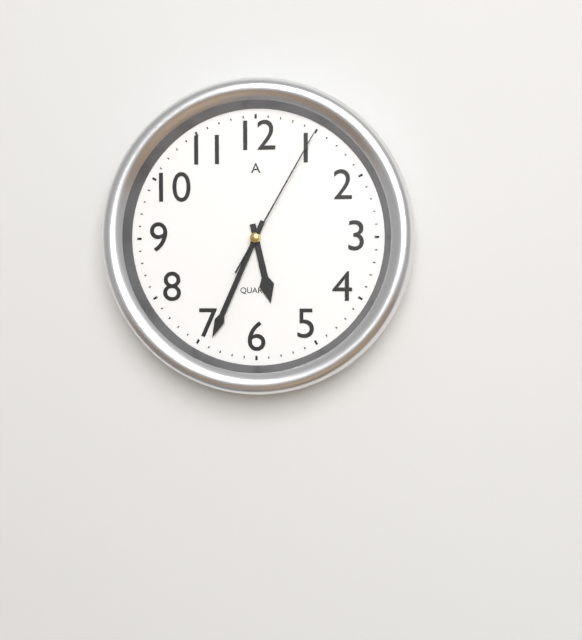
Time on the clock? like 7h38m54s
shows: 5h34m05s
